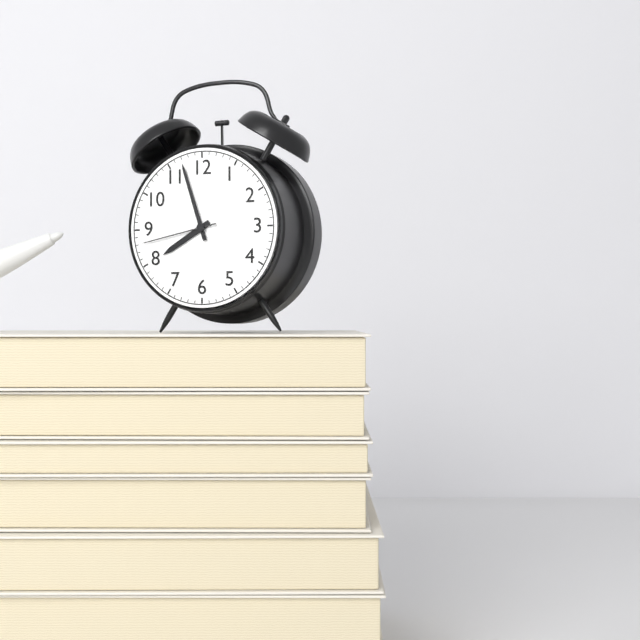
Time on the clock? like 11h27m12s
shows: 7h57m43s
